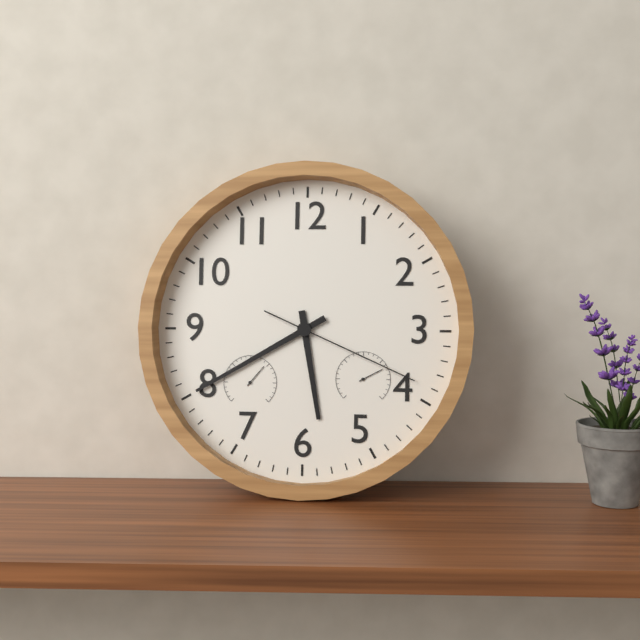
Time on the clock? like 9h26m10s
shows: 5h40m19s
